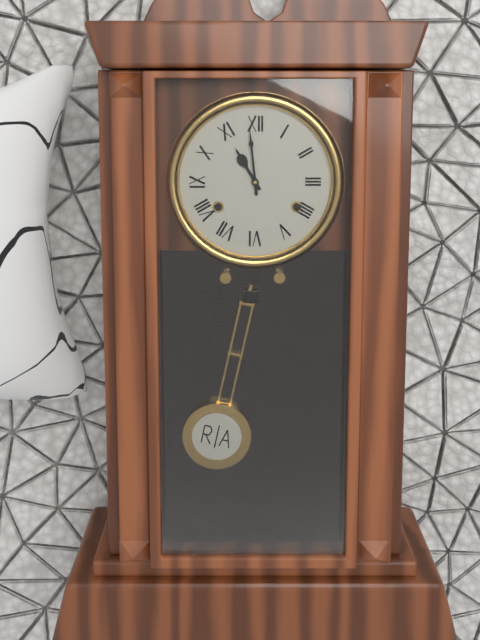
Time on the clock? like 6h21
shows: 10h59
